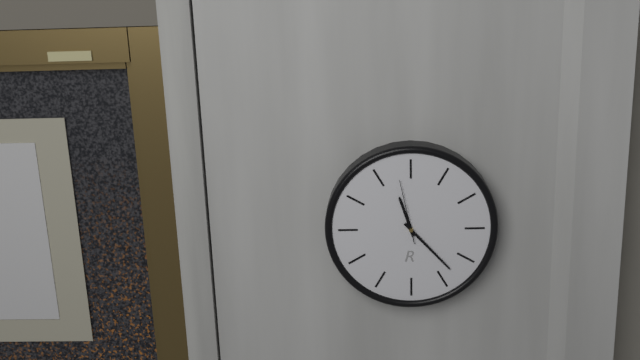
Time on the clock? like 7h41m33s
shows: 11h23m58s
